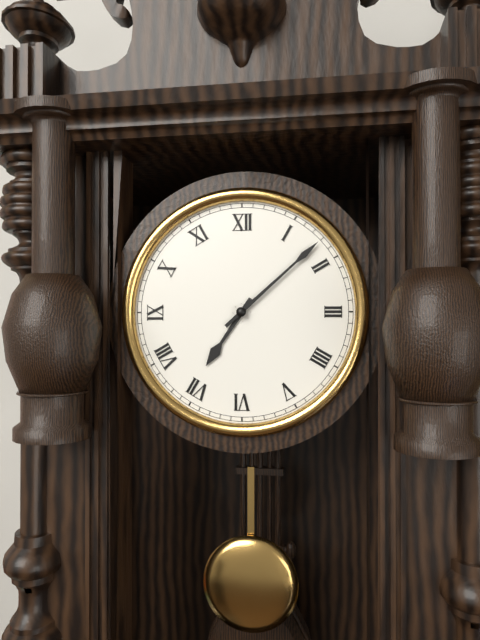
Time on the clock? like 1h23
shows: 7h08
